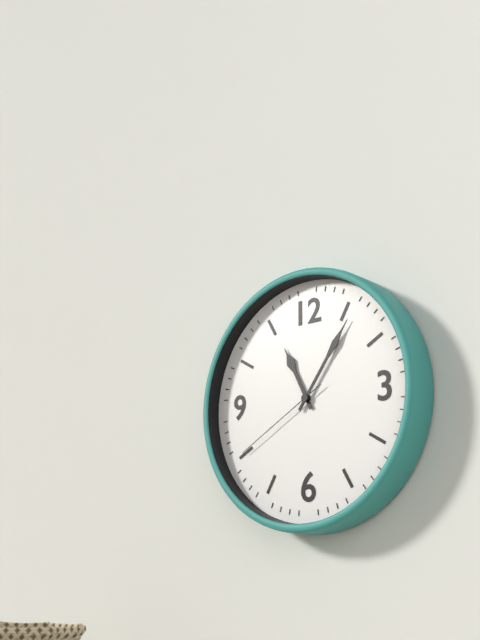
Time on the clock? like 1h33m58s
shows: 11h06m40s
